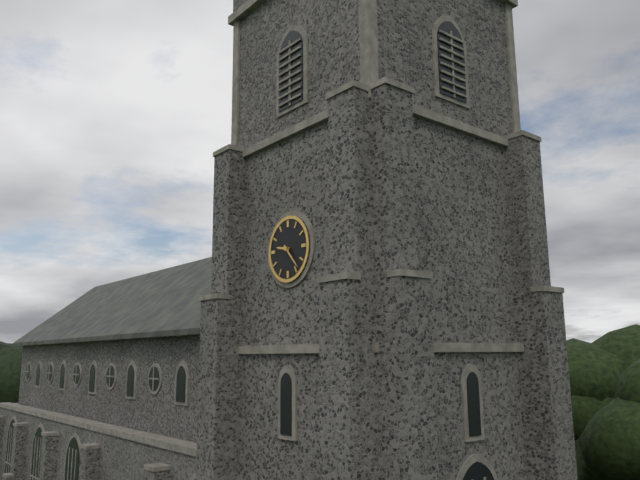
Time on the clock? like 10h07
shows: 9h23
